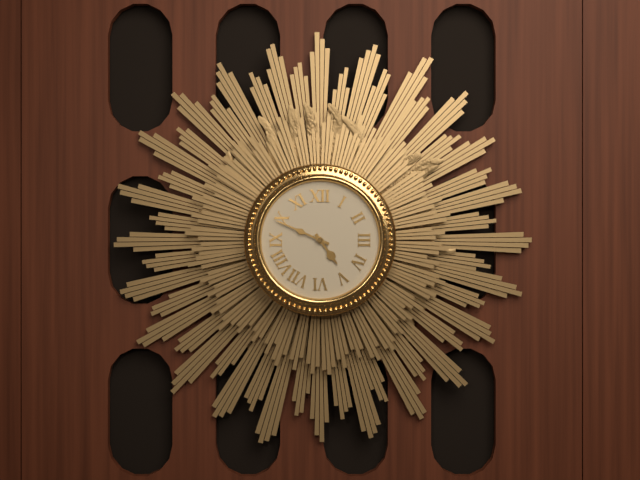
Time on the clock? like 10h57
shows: 4h49
